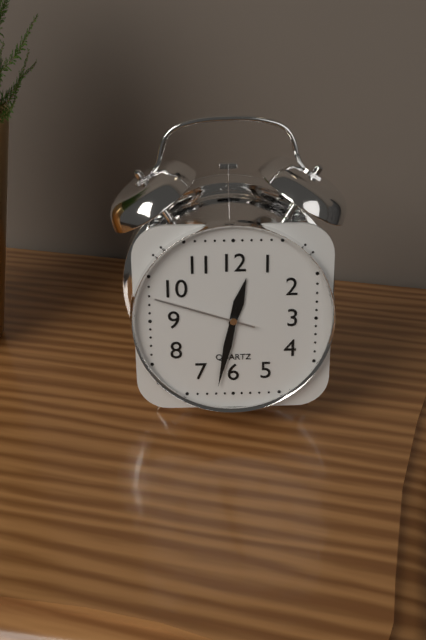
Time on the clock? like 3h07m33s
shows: 12h32m48s
